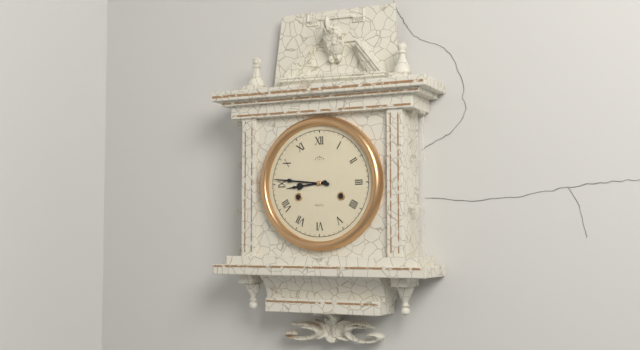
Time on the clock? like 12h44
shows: 8h46
